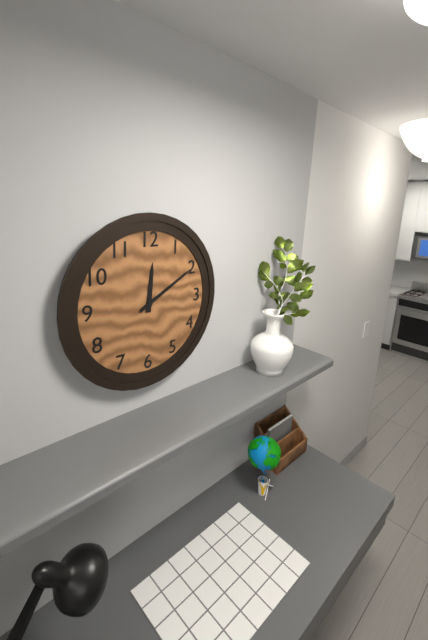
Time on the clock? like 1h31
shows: 12h10
